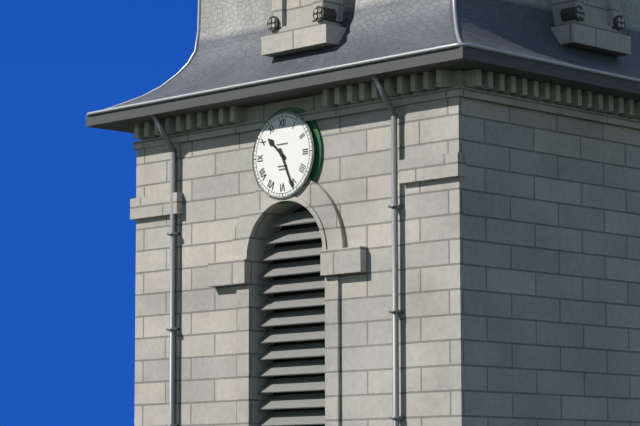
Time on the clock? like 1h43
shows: 10h26
